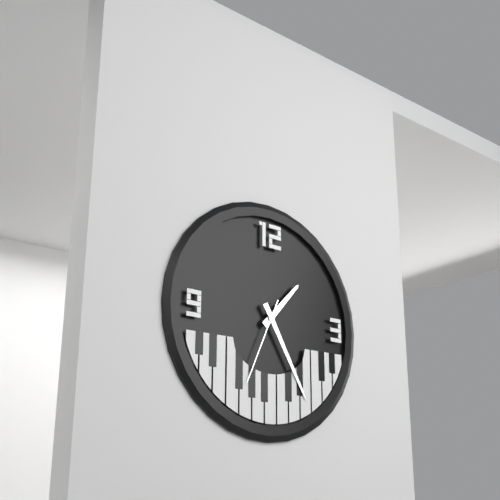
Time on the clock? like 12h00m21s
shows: 1h25m34s
